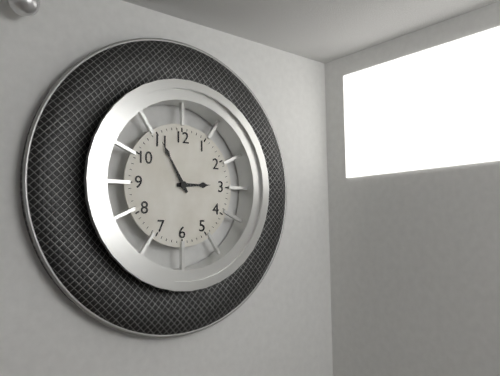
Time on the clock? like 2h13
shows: 2h55
